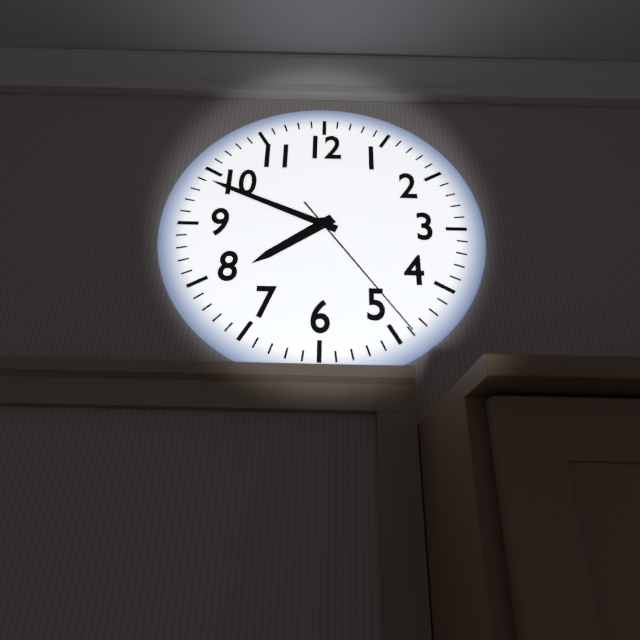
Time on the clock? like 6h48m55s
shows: 7h49m24s
